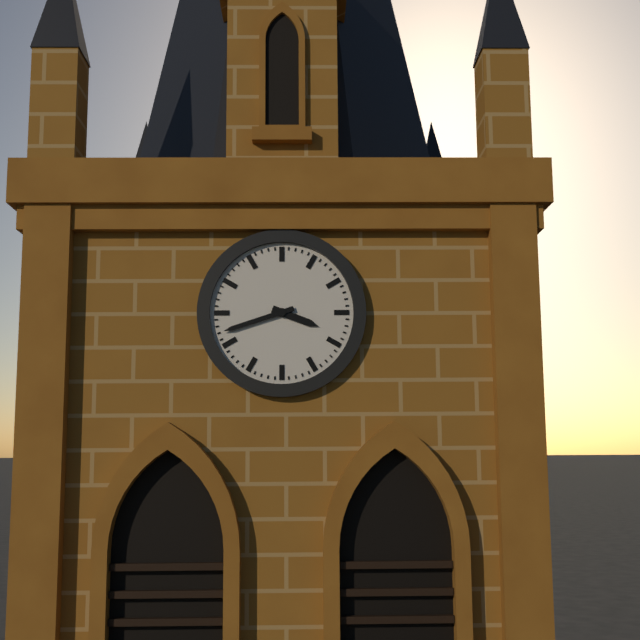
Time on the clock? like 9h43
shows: 3h42
